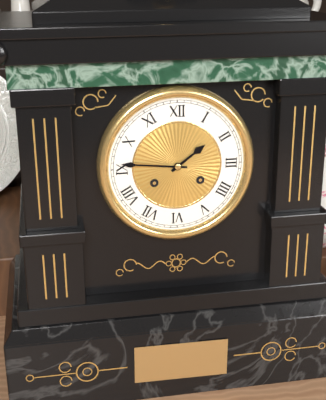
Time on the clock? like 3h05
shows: 1h46
